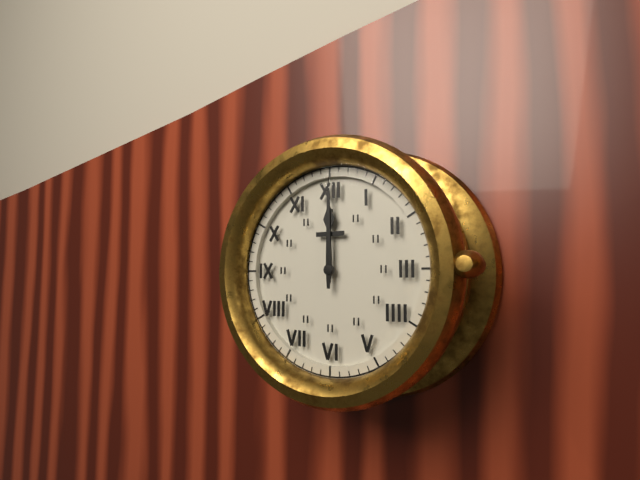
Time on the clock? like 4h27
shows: 12h00
